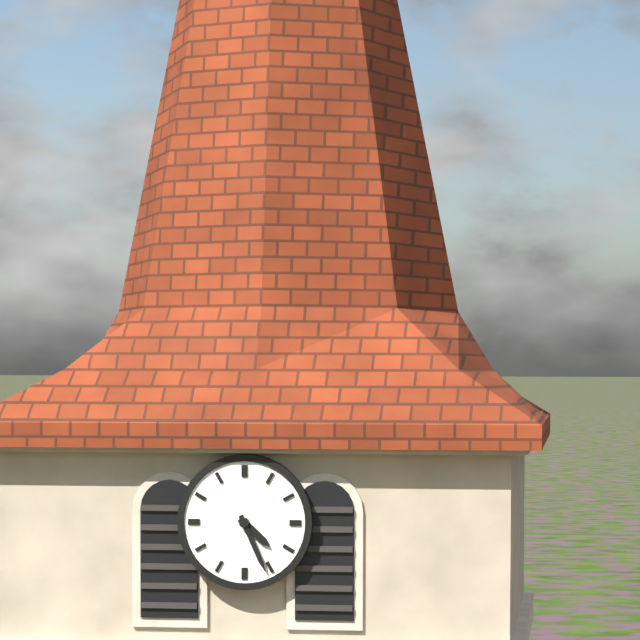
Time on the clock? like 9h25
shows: 4h26
